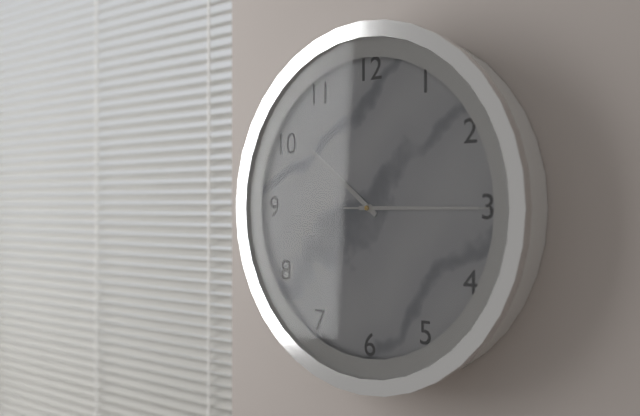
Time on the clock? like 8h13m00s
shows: 10h15m15s
